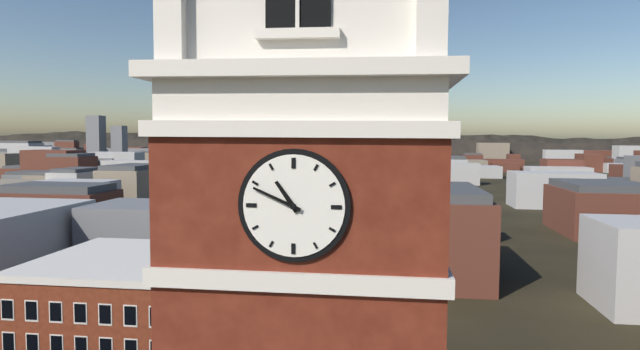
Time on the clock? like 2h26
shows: 10h49
